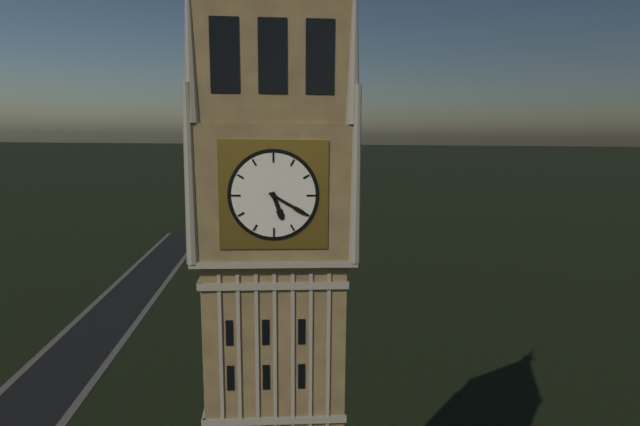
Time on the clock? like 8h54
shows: 5h20
